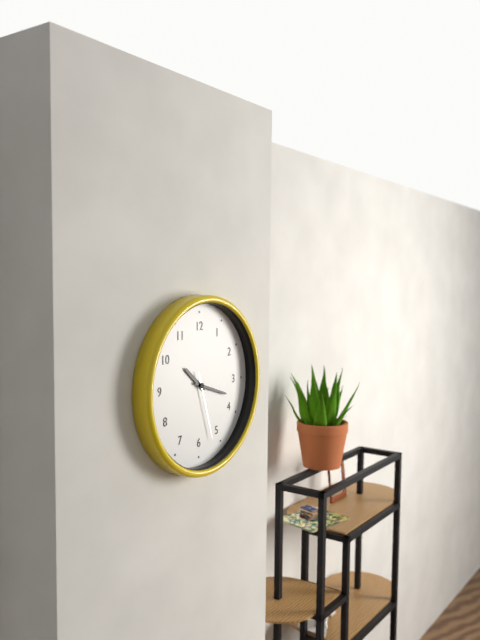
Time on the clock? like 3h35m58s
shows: 10h18m27s
